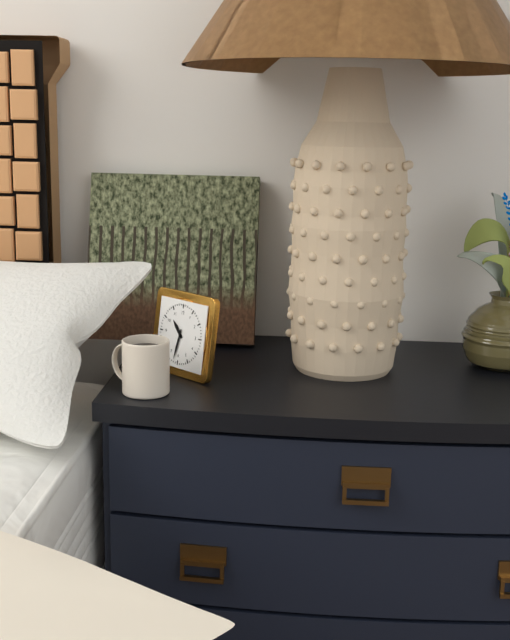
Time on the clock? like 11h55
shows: 10h32
